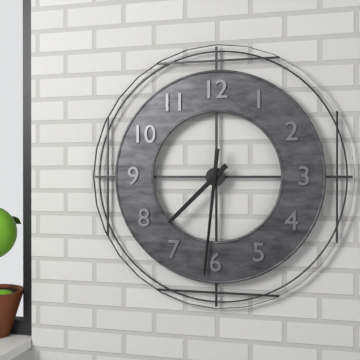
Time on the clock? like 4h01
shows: 7h31
